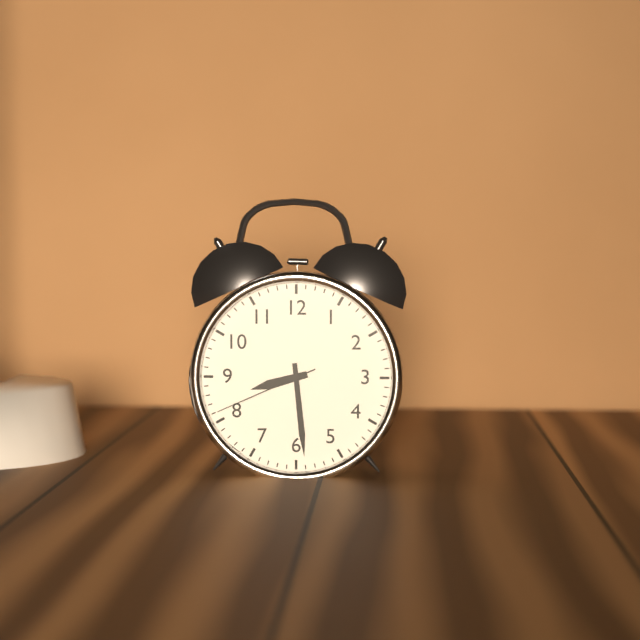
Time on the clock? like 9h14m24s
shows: 8h29m41s
